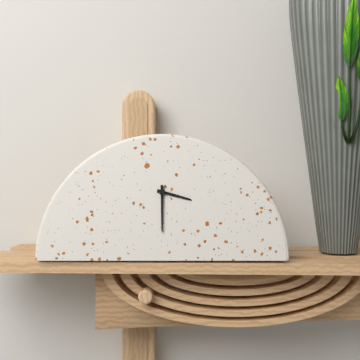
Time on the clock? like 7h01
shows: 3h30
